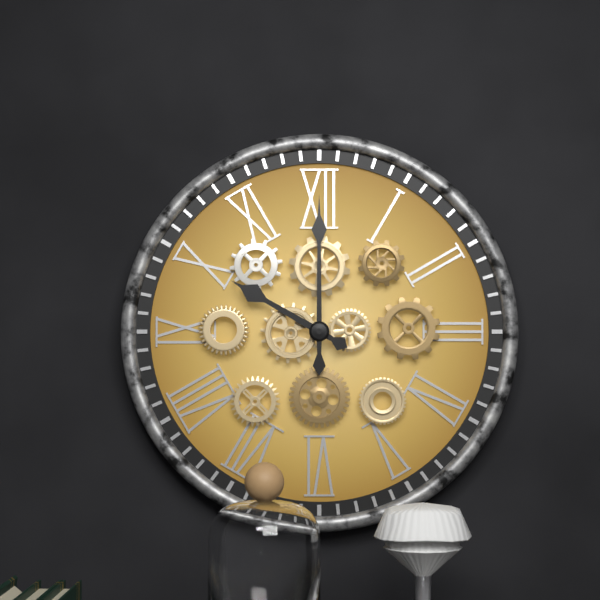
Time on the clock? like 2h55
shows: 10h00
